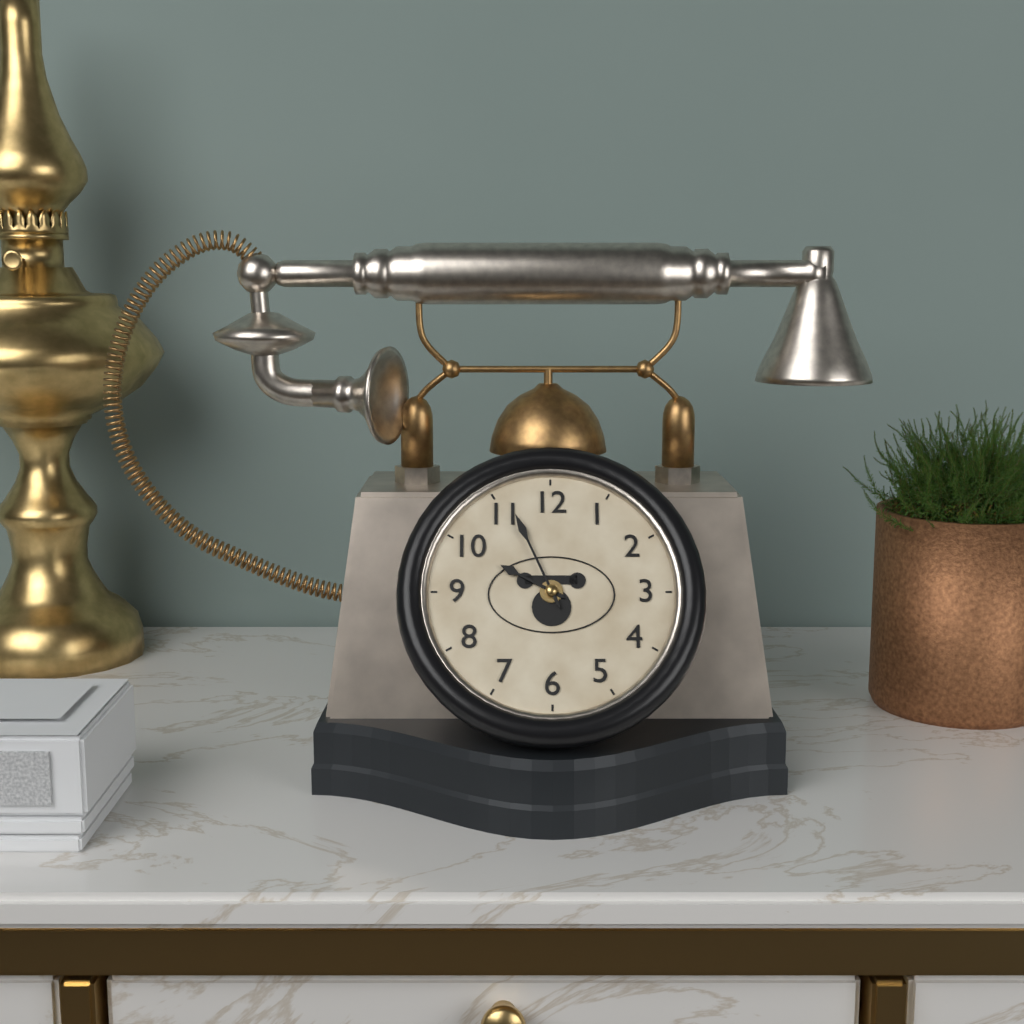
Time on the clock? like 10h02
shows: 9h56
